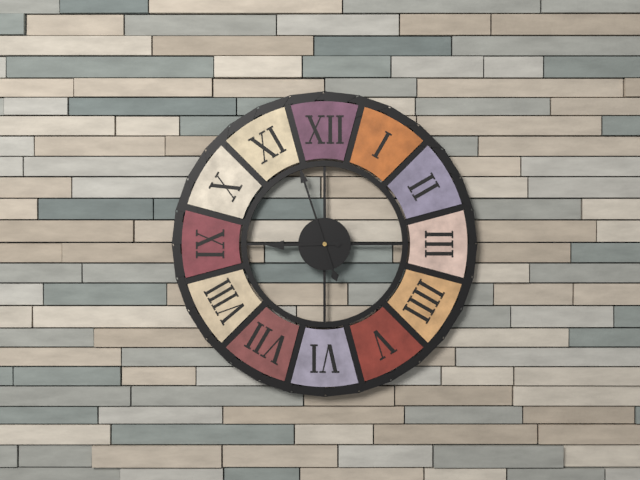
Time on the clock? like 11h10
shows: 8h57
